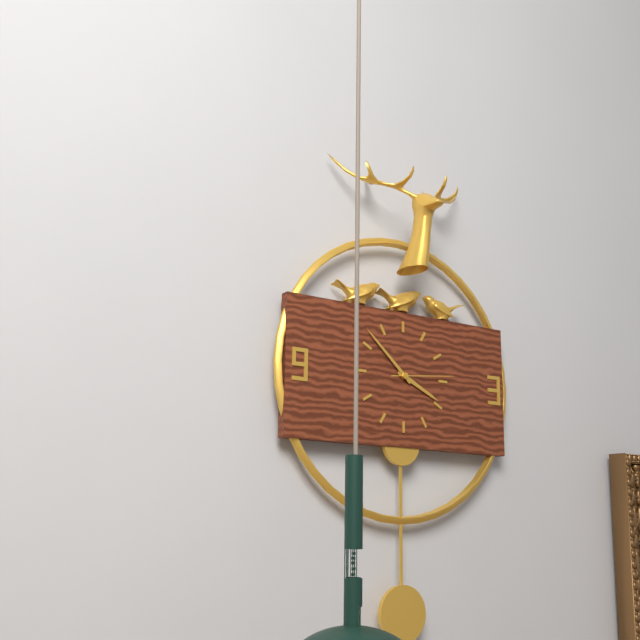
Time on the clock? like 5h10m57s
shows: 3h52m14s
